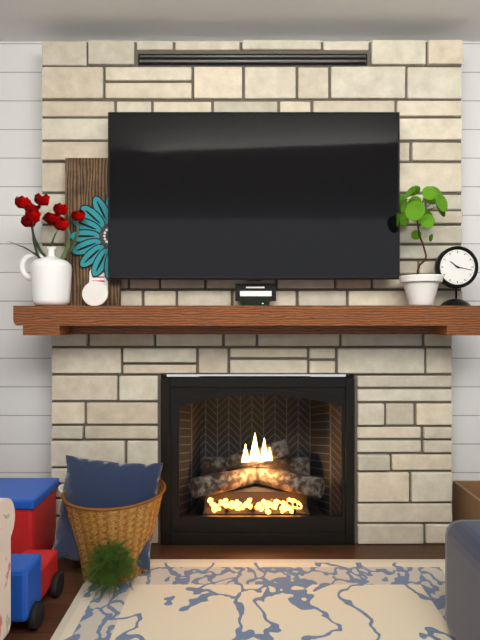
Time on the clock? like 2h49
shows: 10h17
